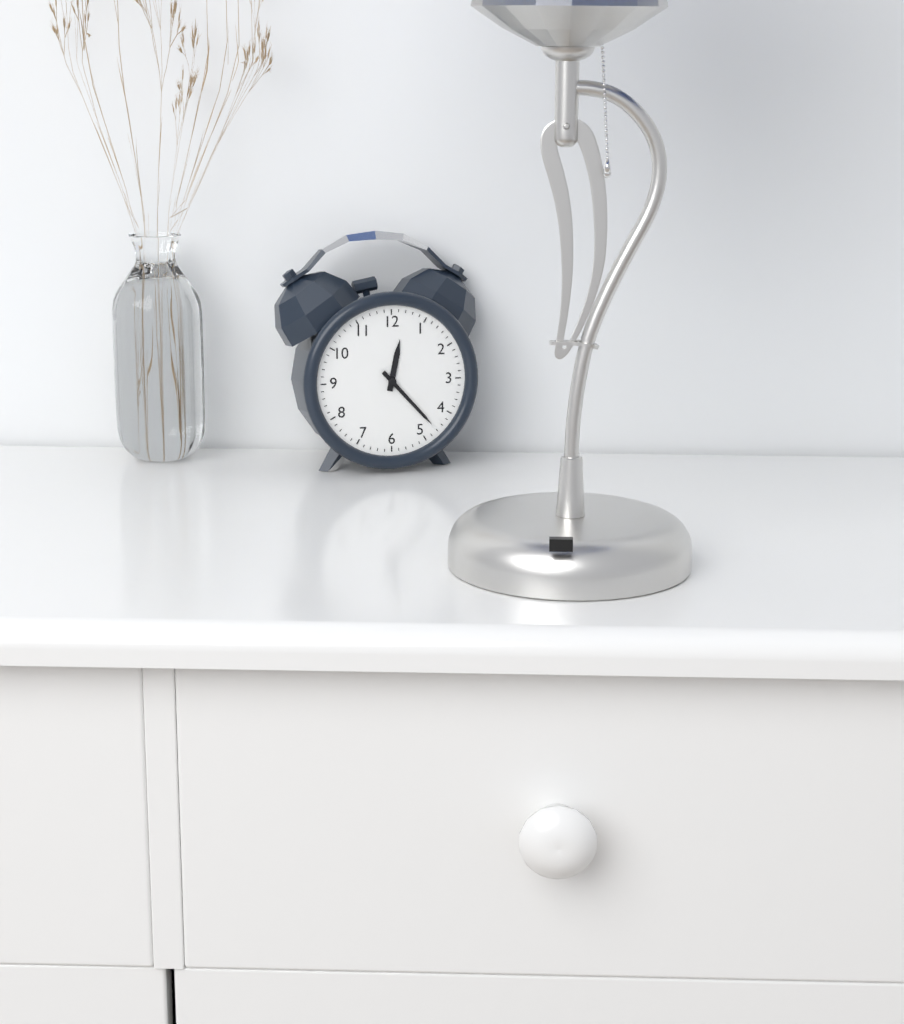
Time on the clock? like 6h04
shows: 12h23
